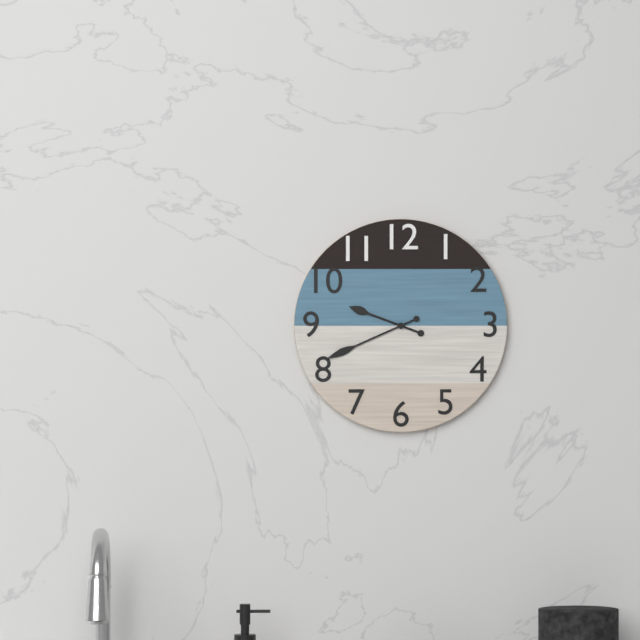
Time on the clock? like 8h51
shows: 9h41
